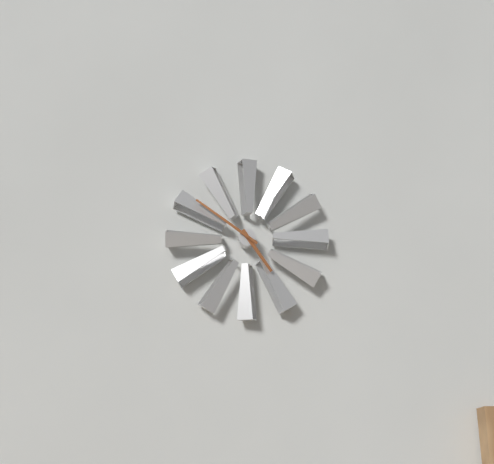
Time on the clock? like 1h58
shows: 4h51
